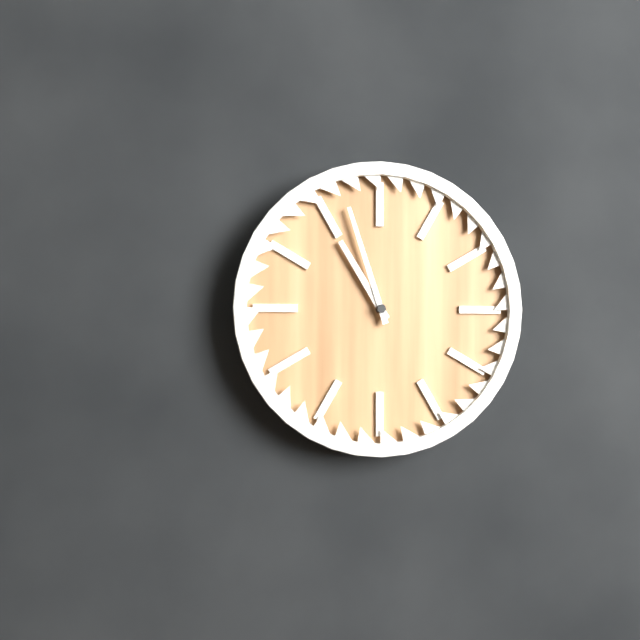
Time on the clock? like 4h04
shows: 10h57
